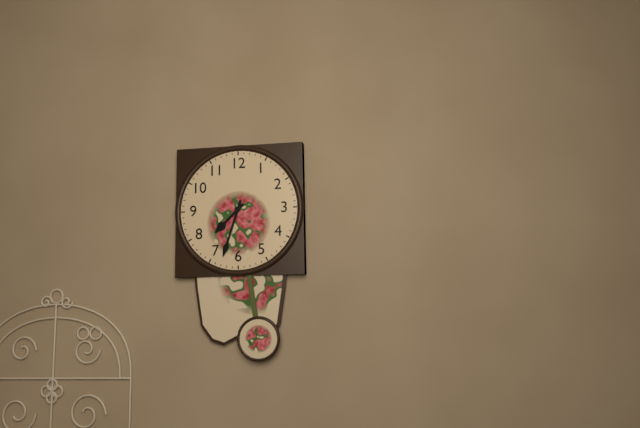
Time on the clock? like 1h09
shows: 7h33
